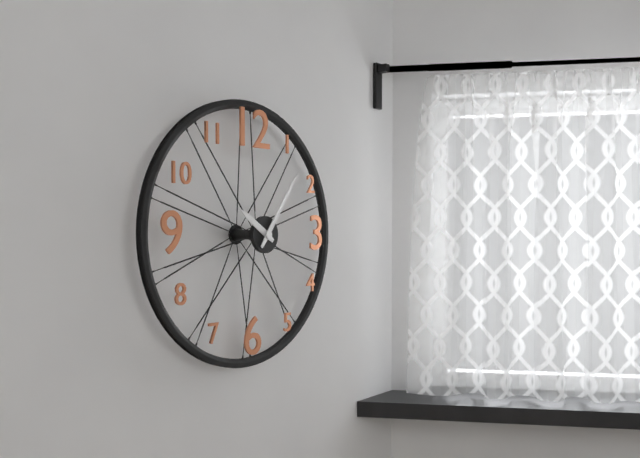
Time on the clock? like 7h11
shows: 10h06
